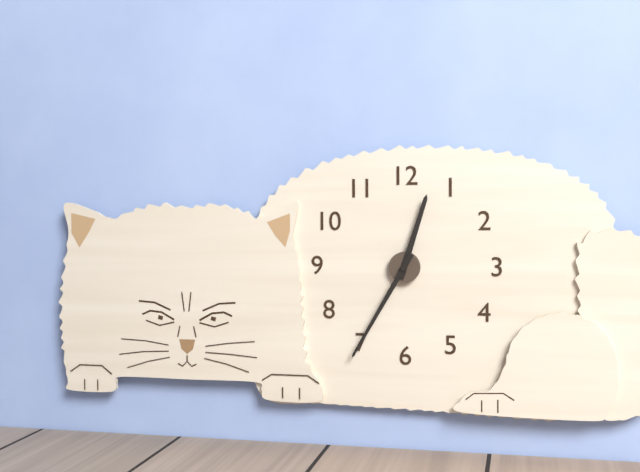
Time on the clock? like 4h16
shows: 12h35
